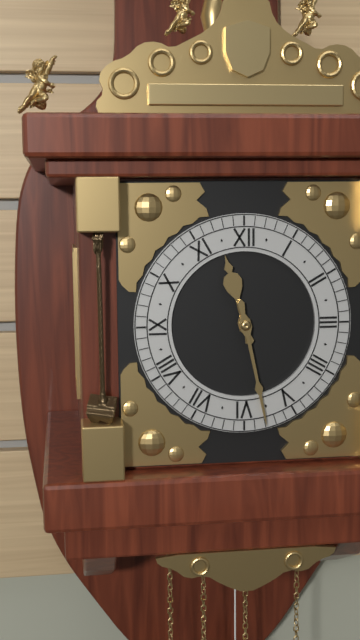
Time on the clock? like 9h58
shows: 11h28
